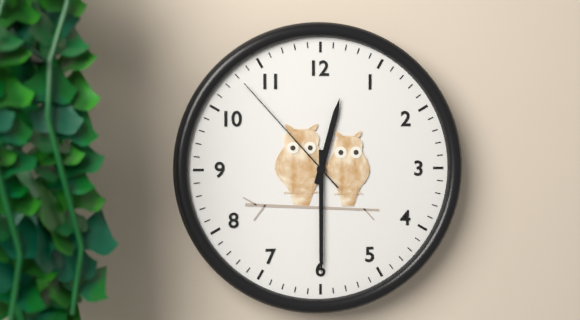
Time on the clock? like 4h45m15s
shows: 12h30m53s
